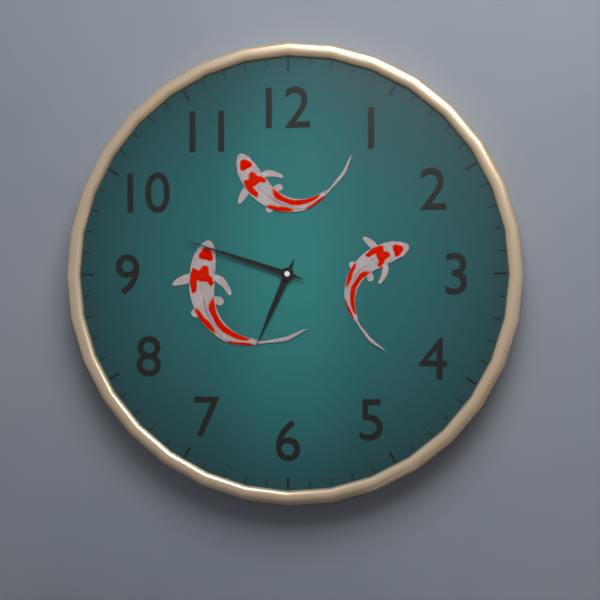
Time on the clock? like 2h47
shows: 6h48
